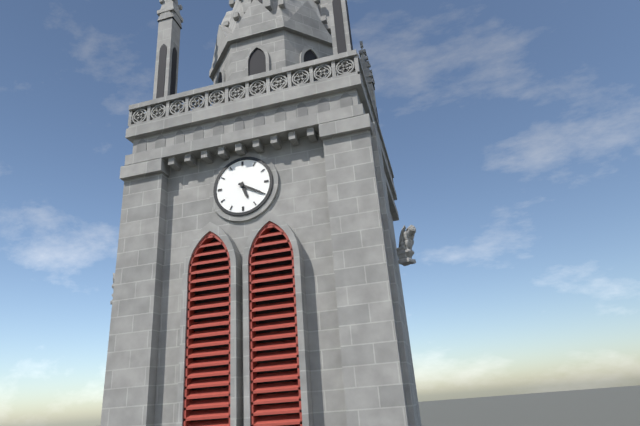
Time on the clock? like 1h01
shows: 5h20
